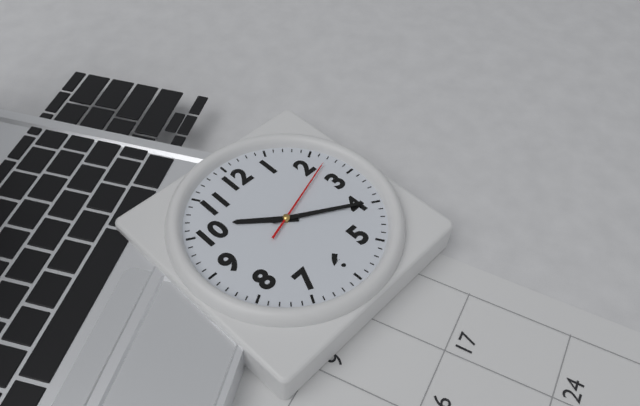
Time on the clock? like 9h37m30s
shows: 10h20m12s
